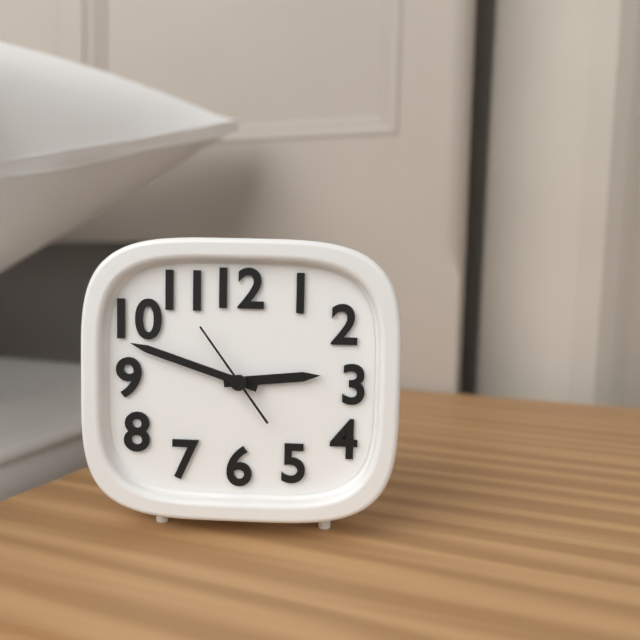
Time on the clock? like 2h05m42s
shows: 2h48m54s
